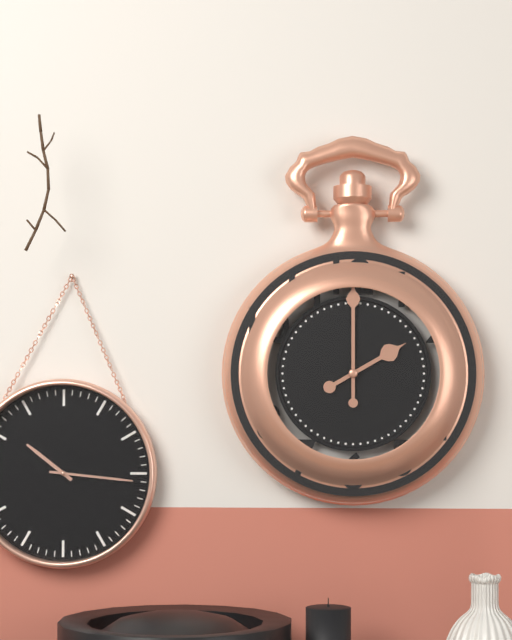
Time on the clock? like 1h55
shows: 2h00
